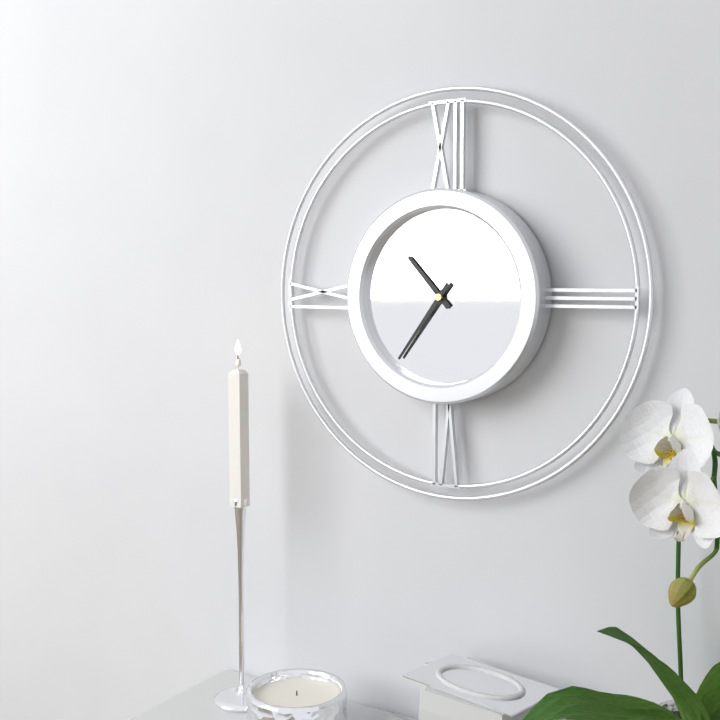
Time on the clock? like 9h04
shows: 10h36
